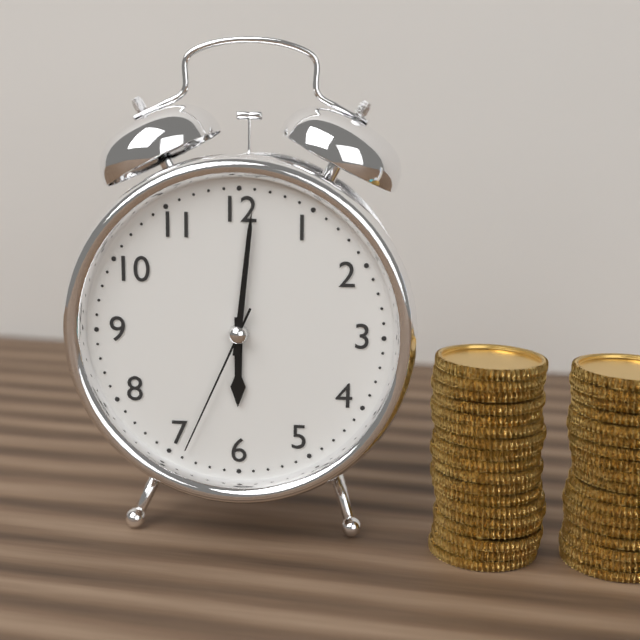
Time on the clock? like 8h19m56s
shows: 6h01m34s
